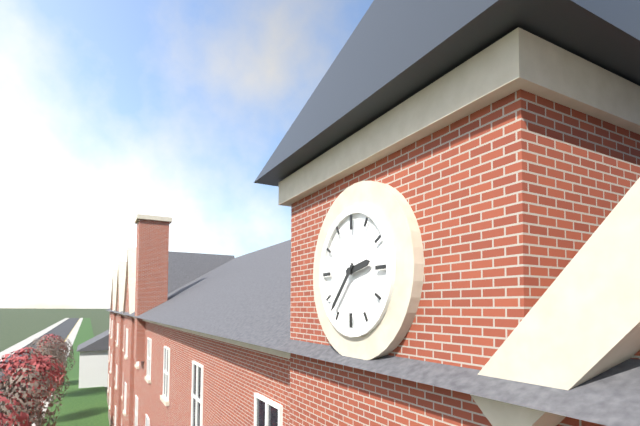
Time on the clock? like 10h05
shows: 2h37
